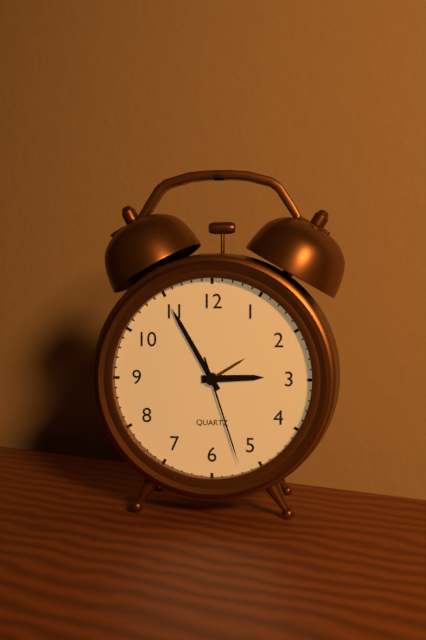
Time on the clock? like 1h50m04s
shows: 2h55m27s
